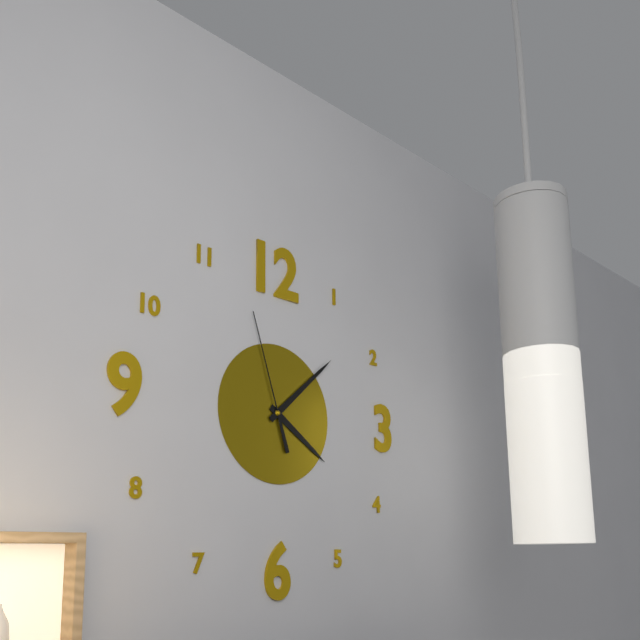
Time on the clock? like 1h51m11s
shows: 4h08m57s
